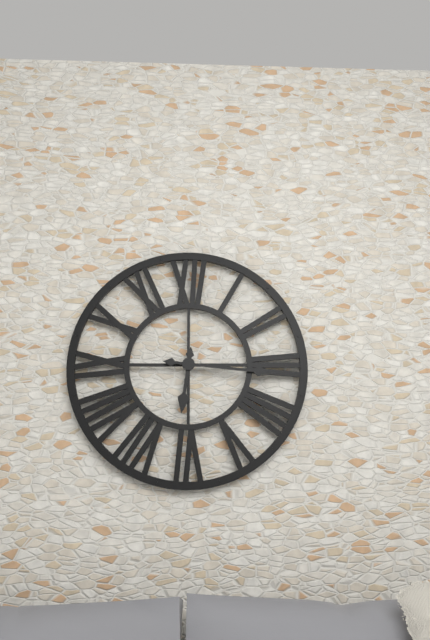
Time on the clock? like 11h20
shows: 6h16
